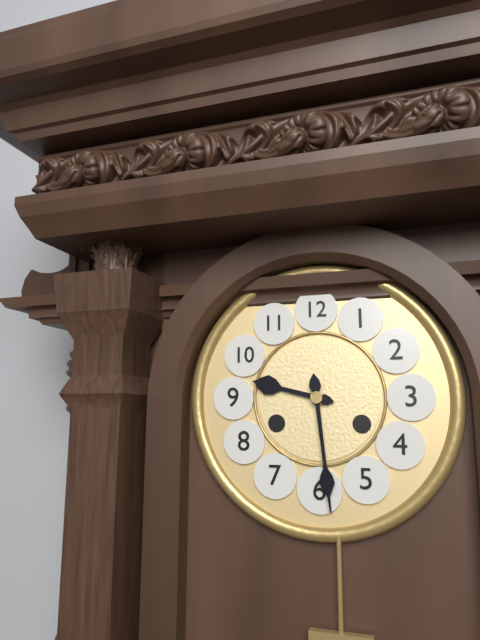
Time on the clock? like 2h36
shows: 9h29
